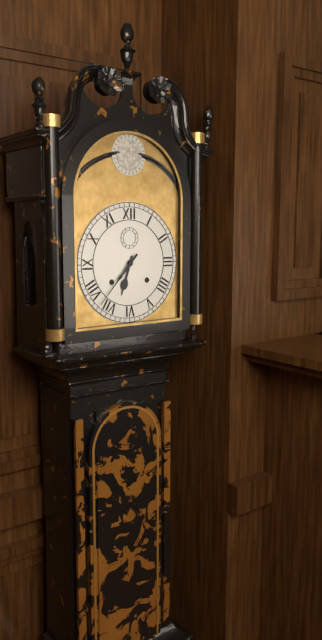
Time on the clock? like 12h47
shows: 6h37
